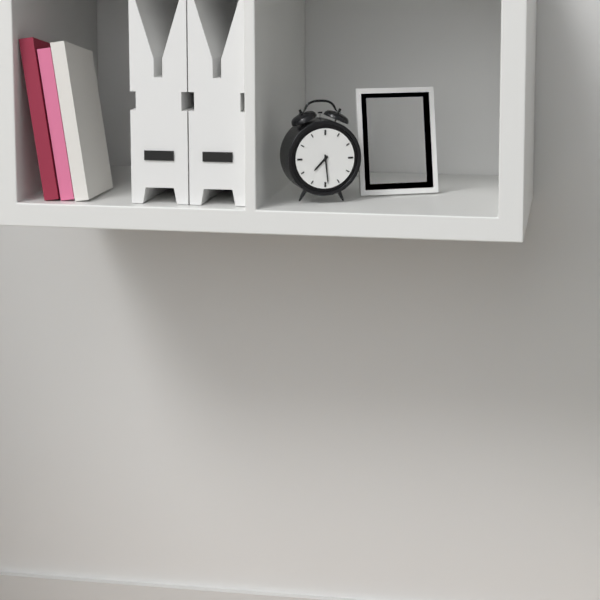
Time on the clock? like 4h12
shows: 7h29
